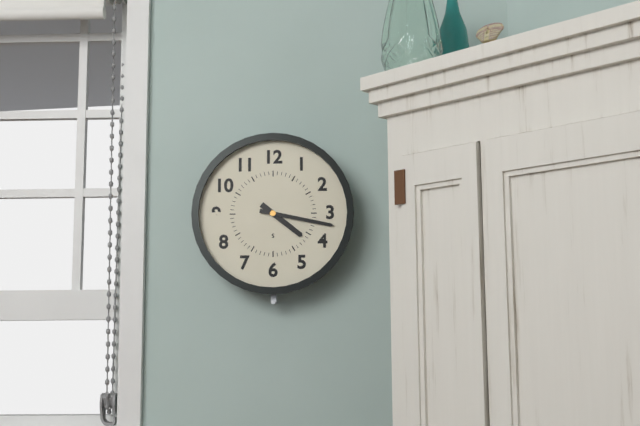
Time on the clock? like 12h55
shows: 4h17
